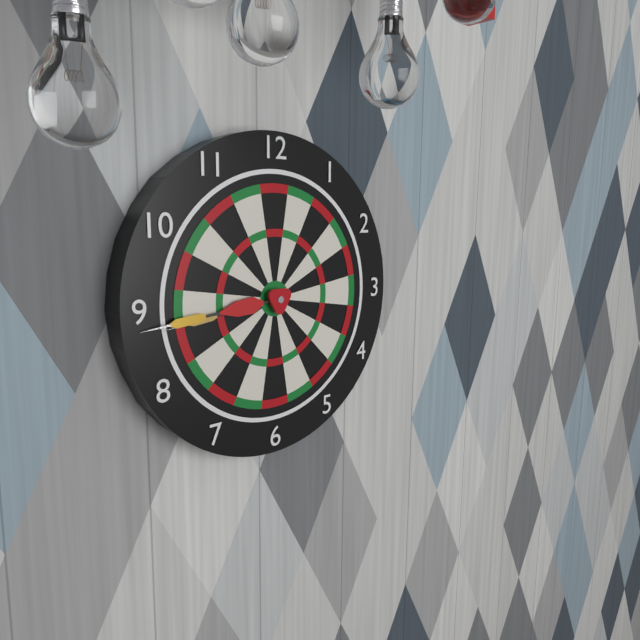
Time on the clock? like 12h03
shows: 8h44
